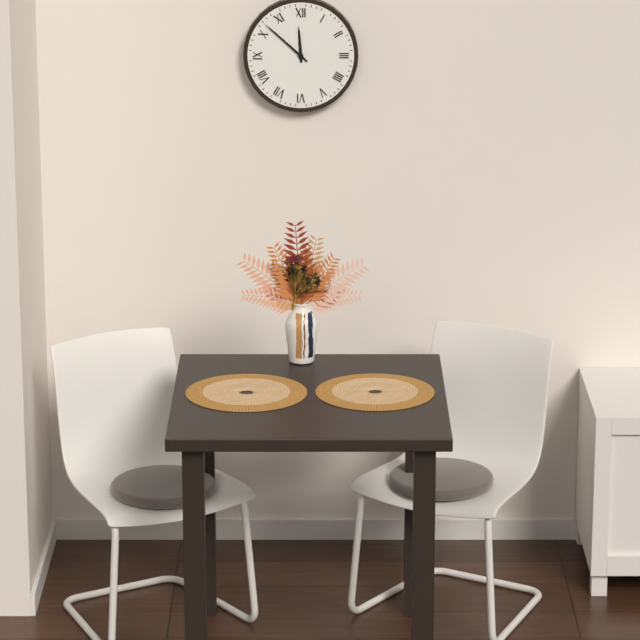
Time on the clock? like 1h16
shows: 11h52
